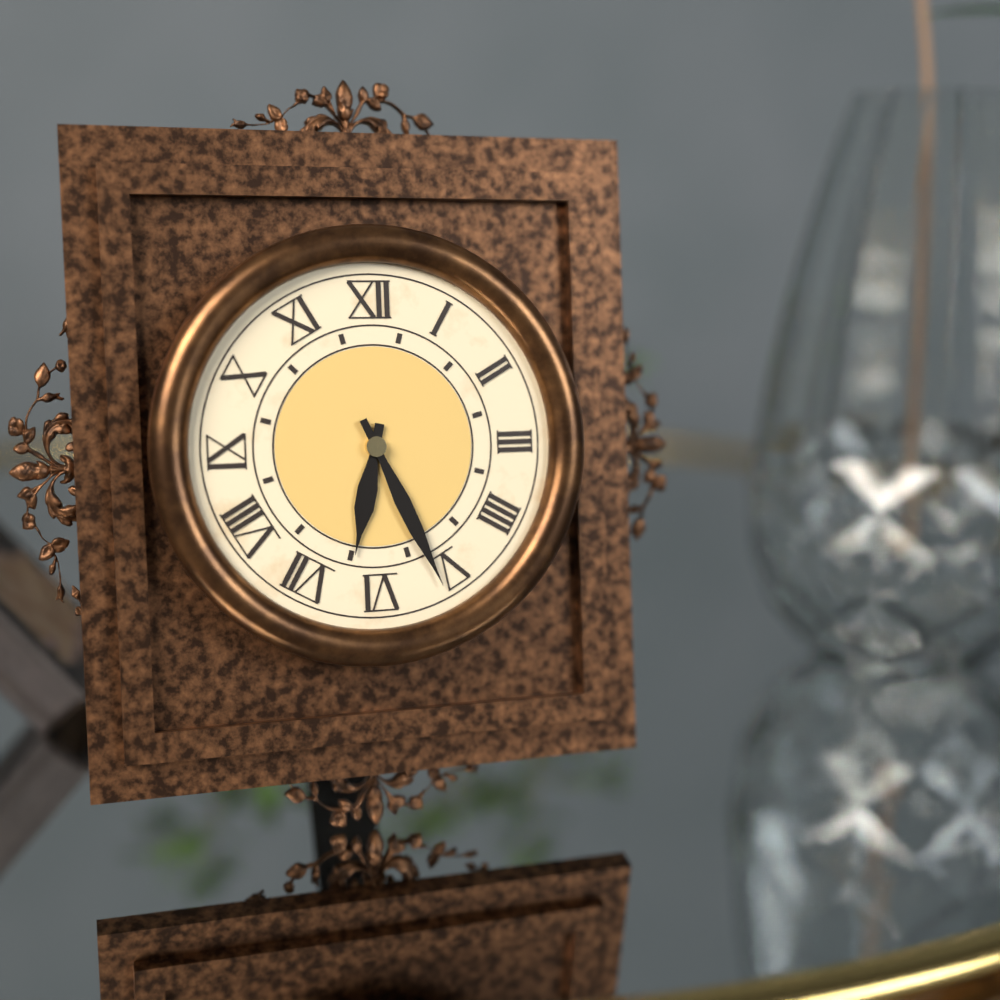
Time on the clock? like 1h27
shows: 6h26
